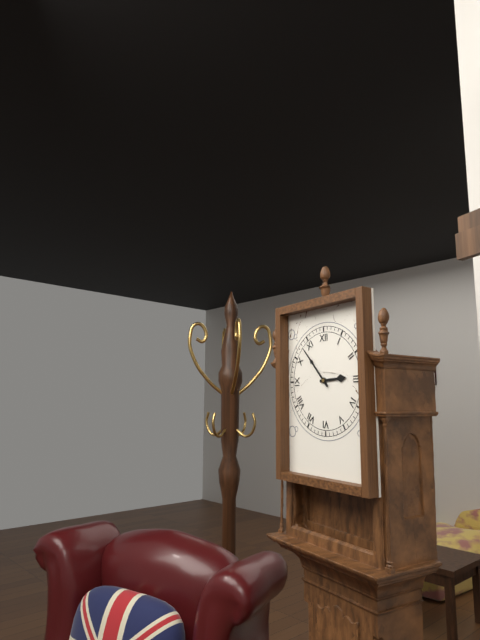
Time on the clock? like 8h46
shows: 2h53
